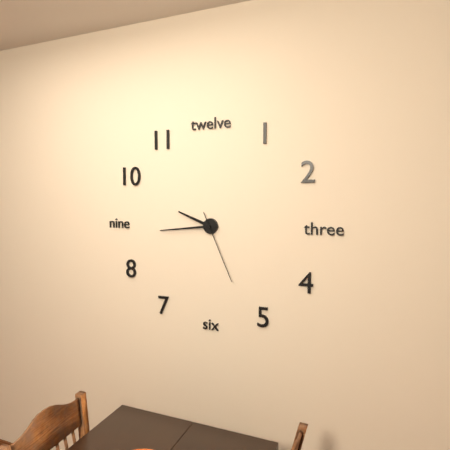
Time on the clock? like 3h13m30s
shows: 9h44m26s
